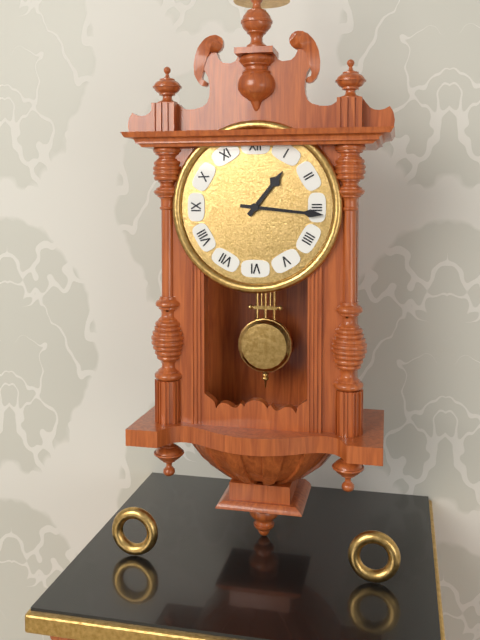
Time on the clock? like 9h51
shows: 1h16
